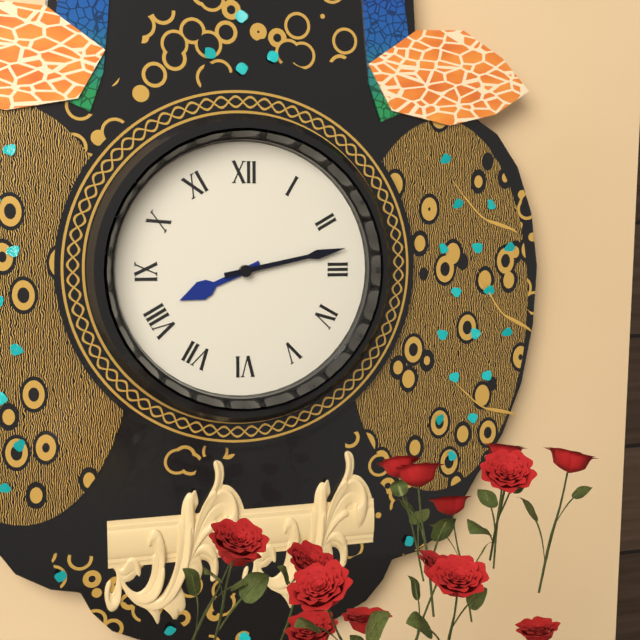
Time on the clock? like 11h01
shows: 8h13
